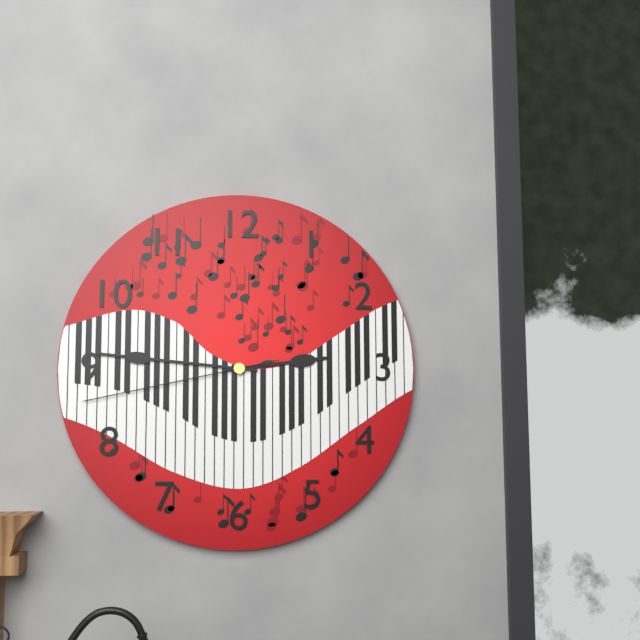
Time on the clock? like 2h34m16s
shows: 2h46m43s
